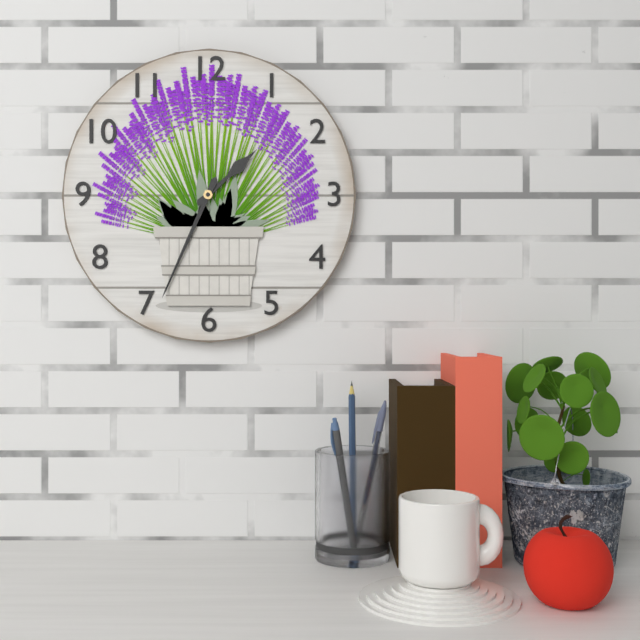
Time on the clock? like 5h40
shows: 1h34
